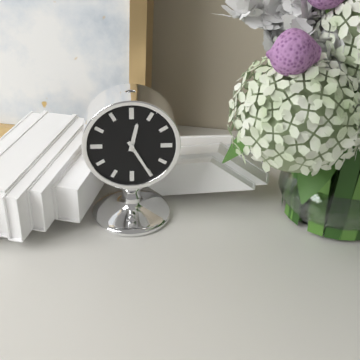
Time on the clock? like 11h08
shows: 12h25
